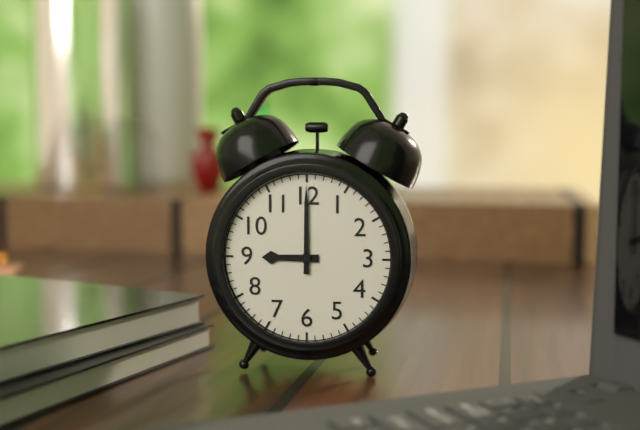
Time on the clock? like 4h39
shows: 9h00
